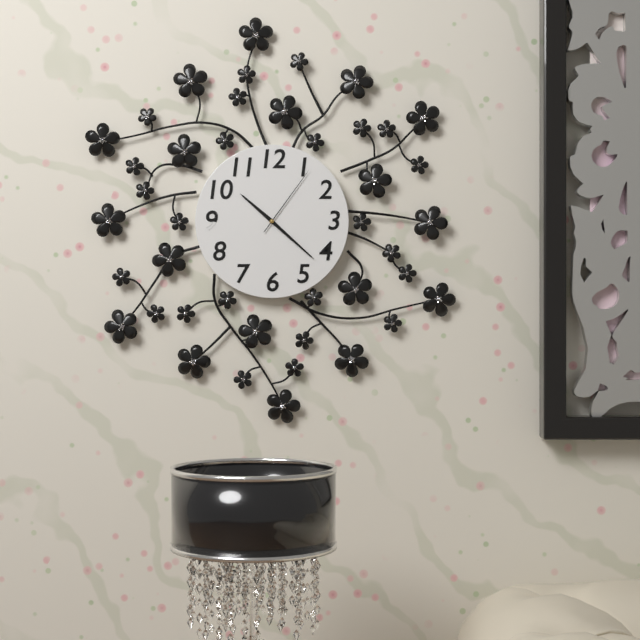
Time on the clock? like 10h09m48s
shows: 10h22m06s
